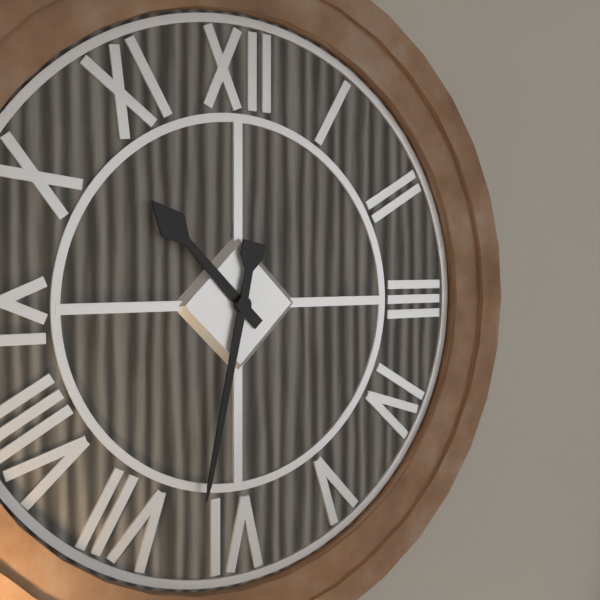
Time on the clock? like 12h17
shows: 10h32
